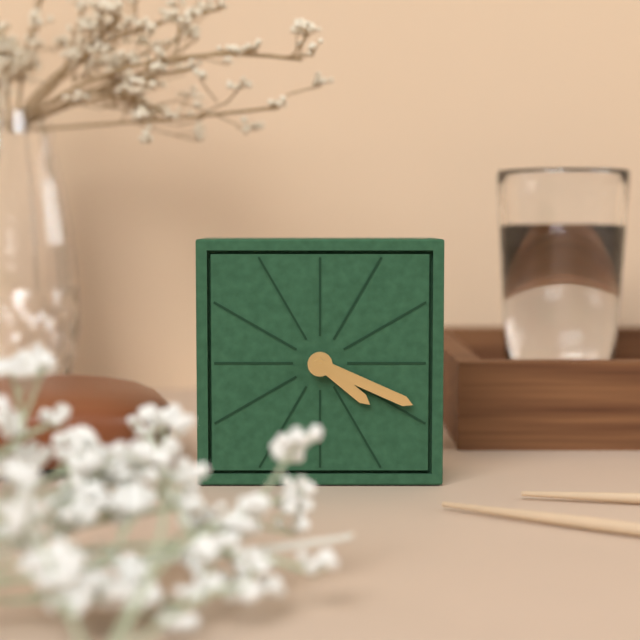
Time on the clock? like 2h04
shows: 4h19
